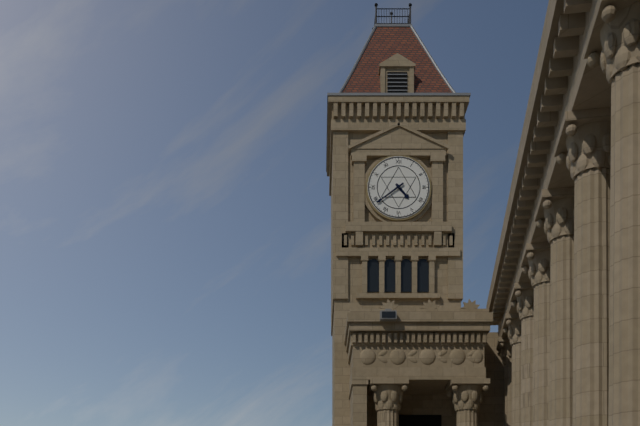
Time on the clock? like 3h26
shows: 4h39
